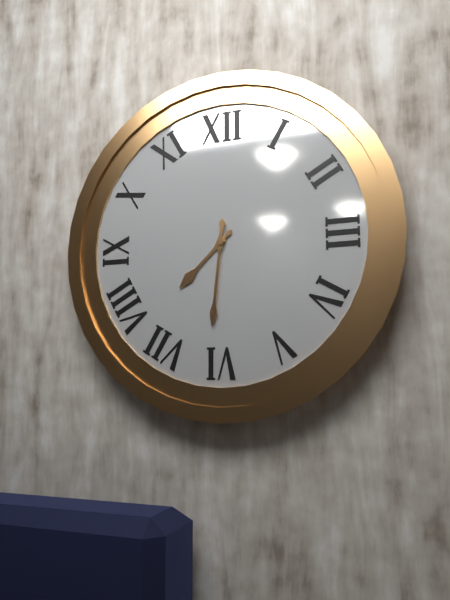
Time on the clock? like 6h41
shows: 7h31
